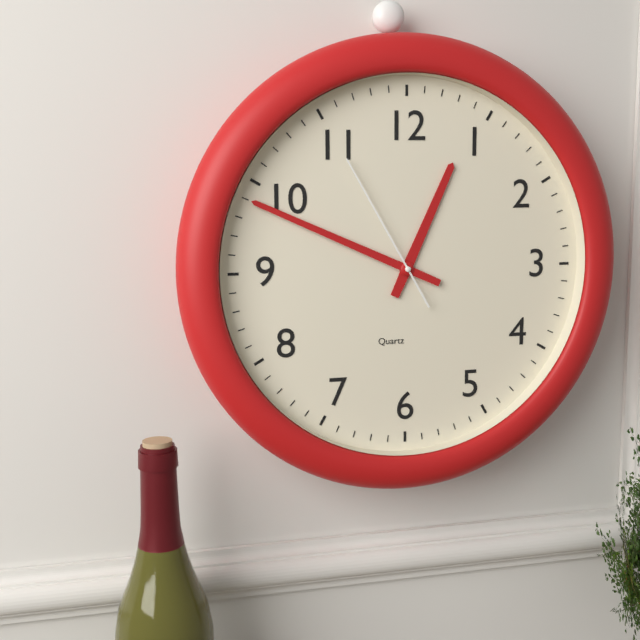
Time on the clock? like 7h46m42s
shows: 12h49m55s
